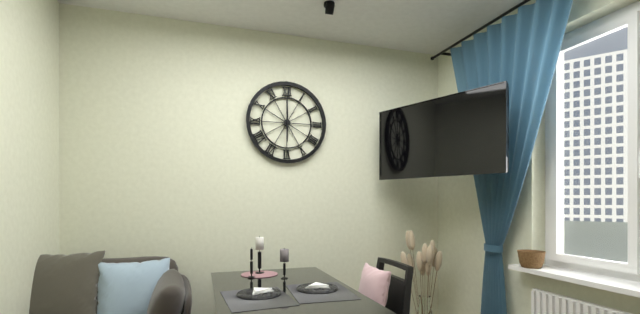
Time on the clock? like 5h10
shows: 6h00
